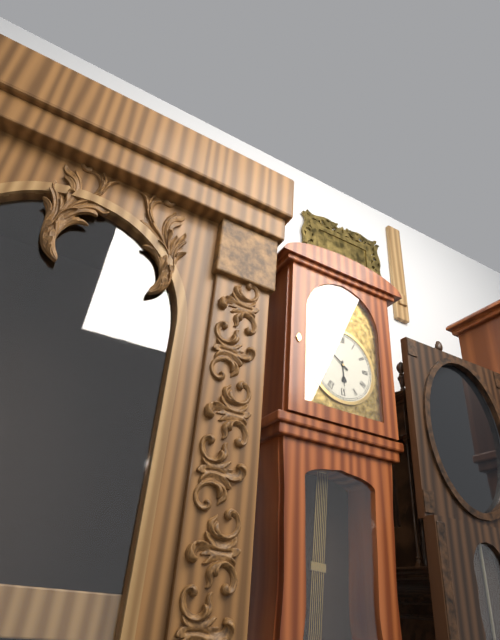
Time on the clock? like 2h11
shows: 5h51
